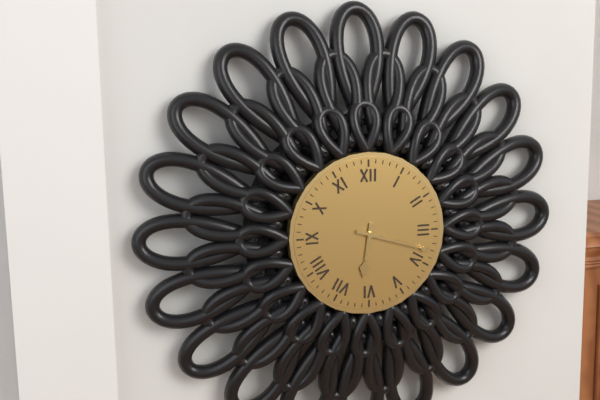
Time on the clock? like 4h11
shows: 6h18
